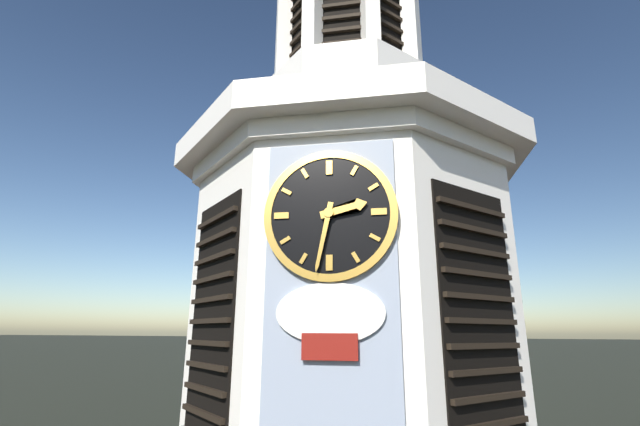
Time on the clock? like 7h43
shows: 2h32
